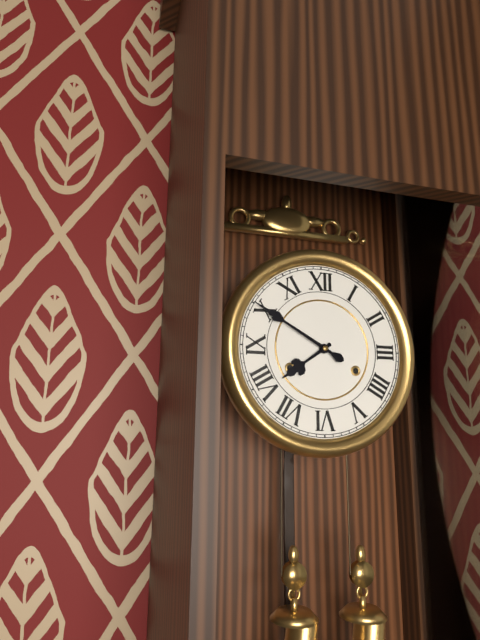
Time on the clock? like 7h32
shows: 7h50
